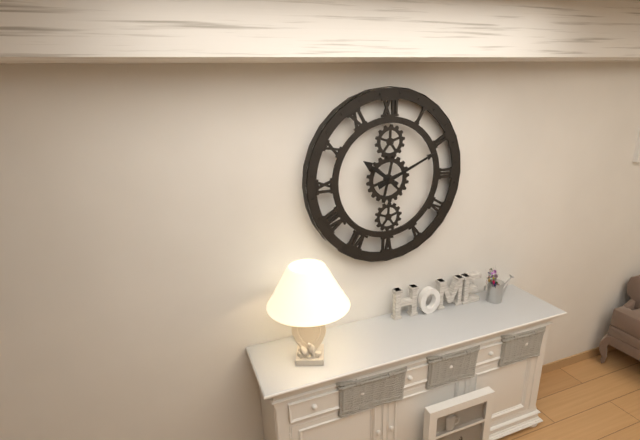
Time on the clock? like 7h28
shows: 10h11
